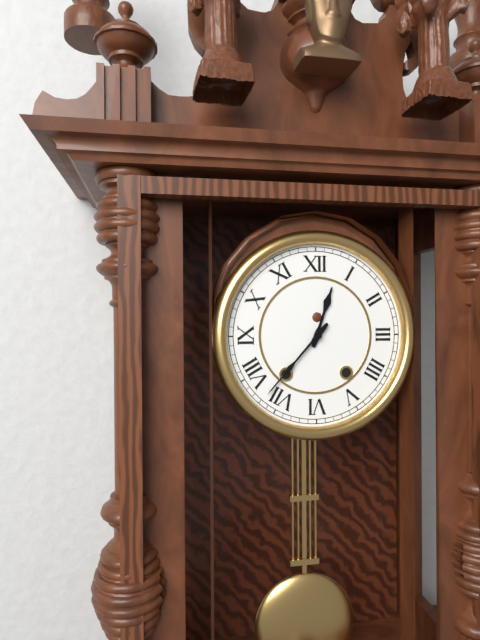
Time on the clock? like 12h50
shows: 12h37
